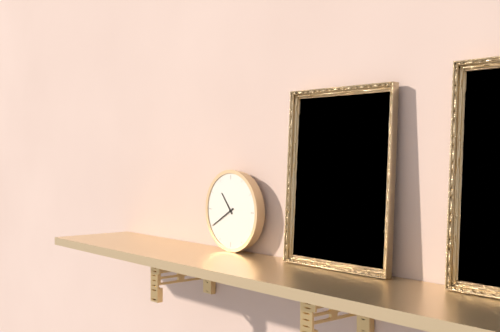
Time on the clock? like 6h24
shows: 10h40
